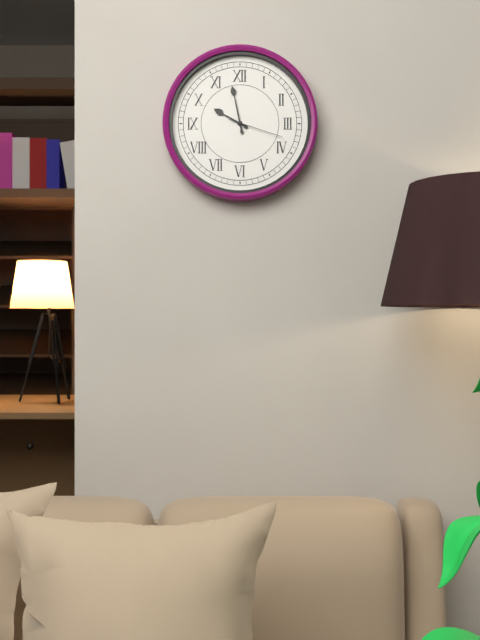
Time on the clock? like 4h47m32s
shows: 9h58m18s
